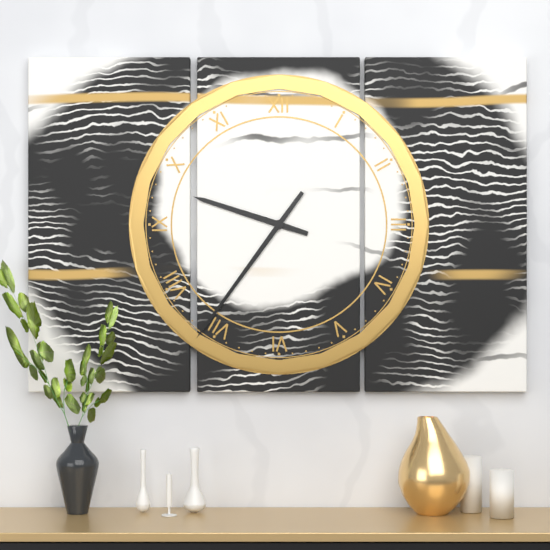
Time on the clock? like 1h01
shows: 9h36
